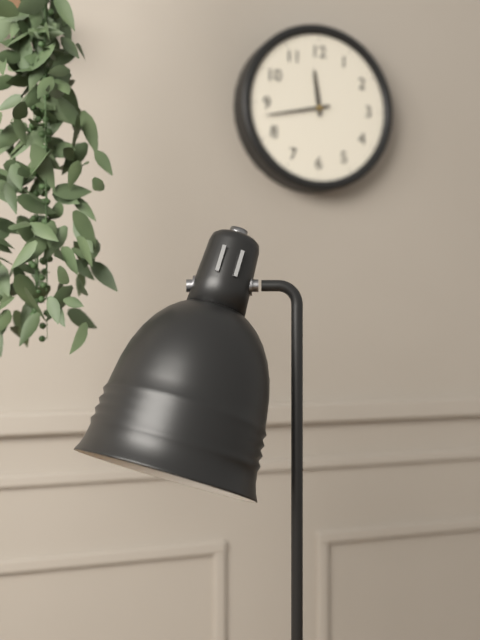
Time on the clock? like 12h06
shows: 11h43
